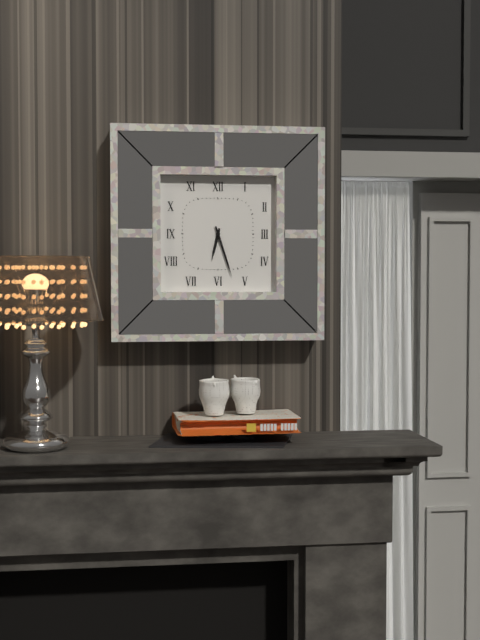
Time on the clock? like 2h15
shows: 6h27
